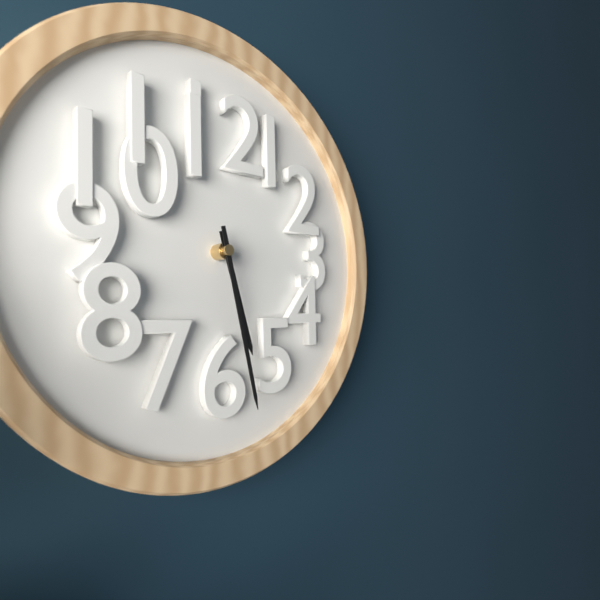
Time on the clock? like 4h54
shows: 5h28
